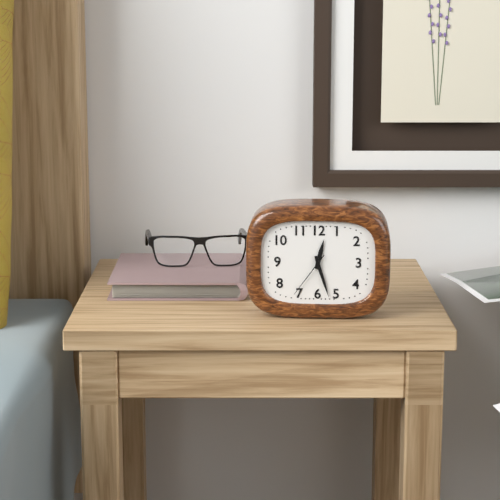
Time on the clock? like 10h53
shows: 12h27
